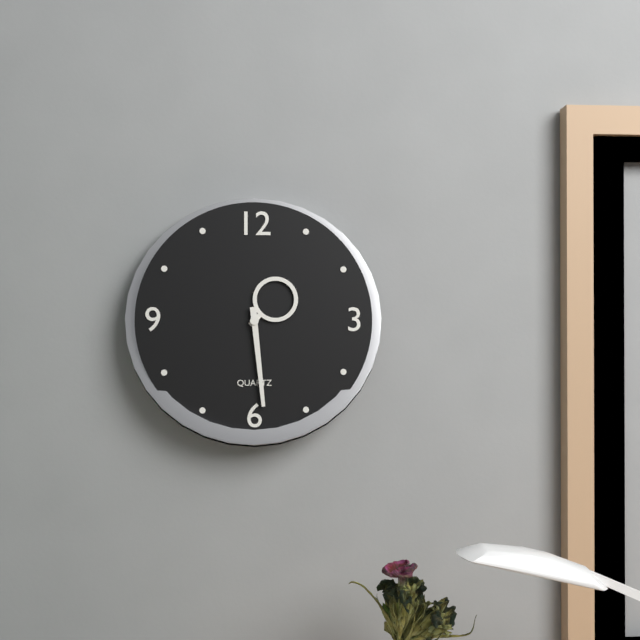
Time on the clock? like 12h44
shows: 1h29
